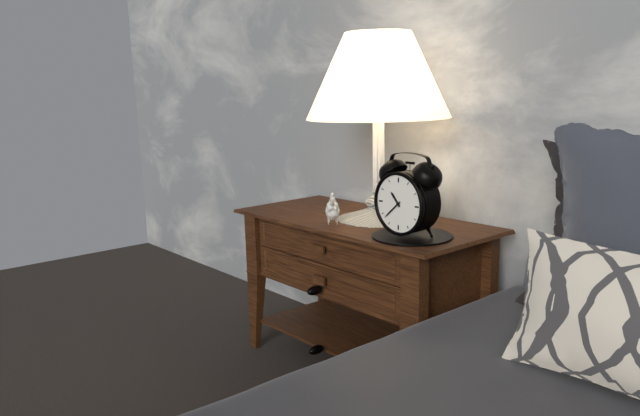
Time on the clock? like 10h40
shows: 10h38
